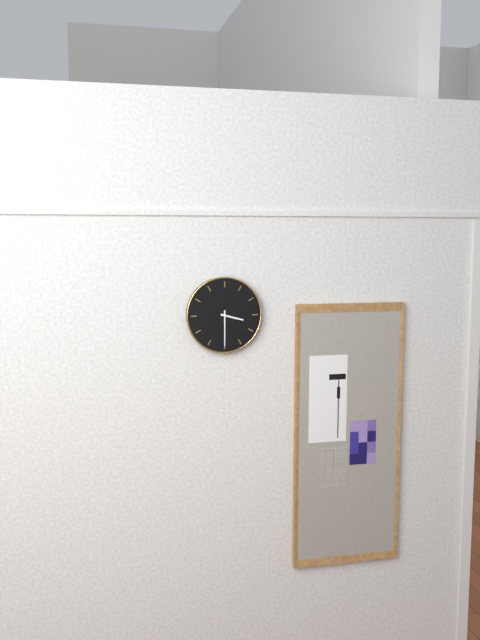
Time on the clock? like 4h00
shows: 3h30
